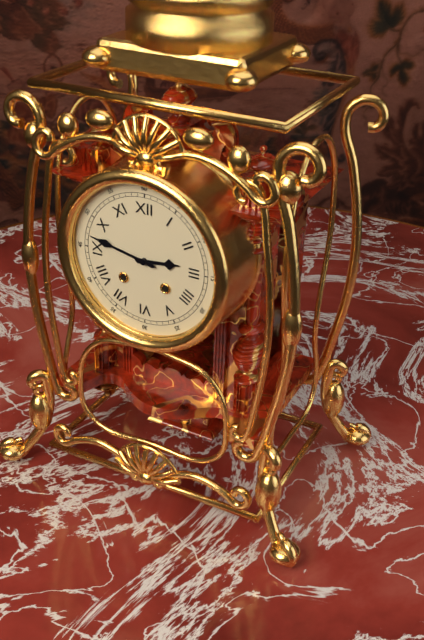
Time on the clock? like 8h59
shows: 2h47
